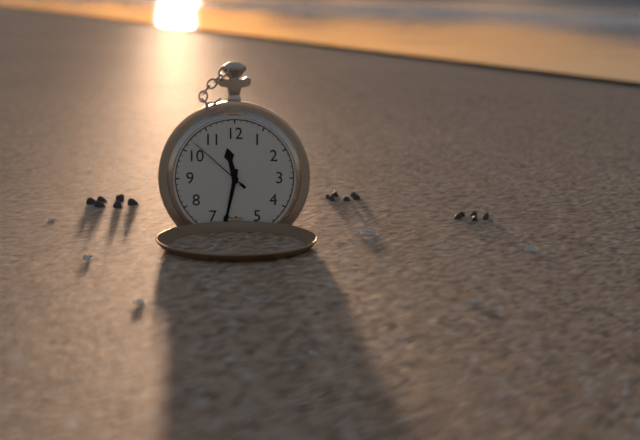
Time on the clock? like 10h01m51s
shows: 11h32m52s
